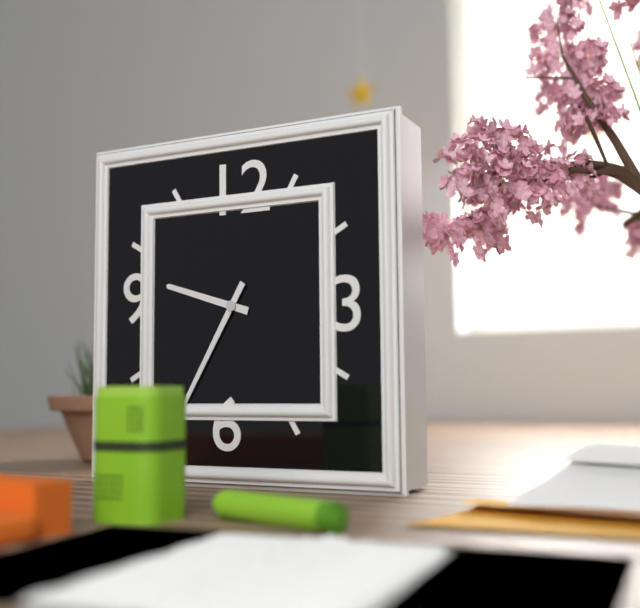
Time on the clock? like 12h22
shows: 9h35
